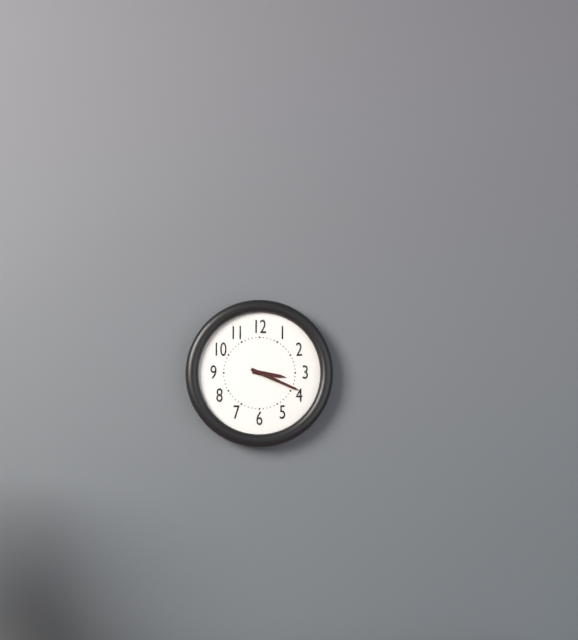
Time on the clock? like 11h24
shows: 3h19
